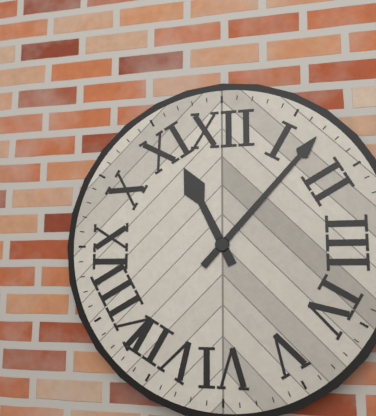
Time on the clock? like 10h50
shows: 11h07
